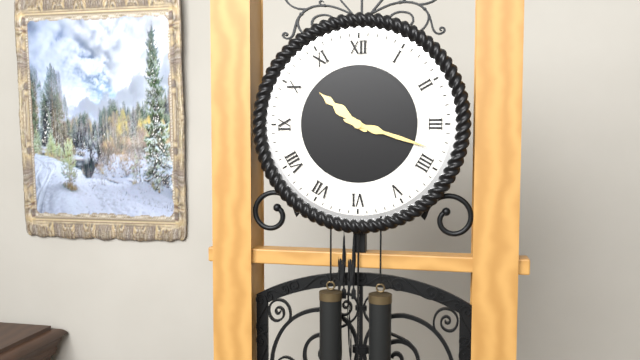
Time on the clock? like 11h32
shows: 10h18
